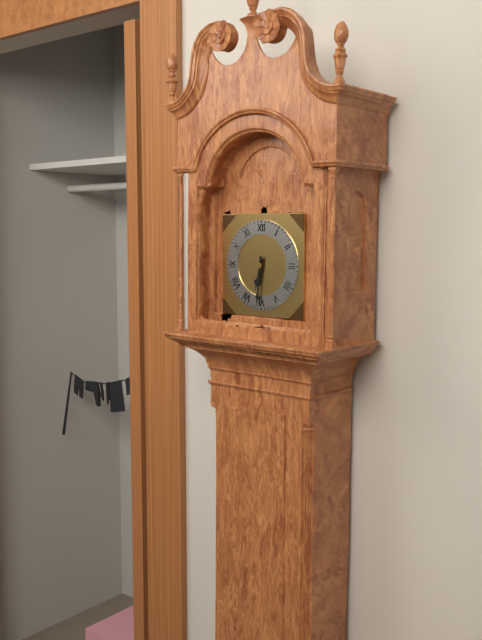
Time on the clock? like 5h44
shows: 6h31
